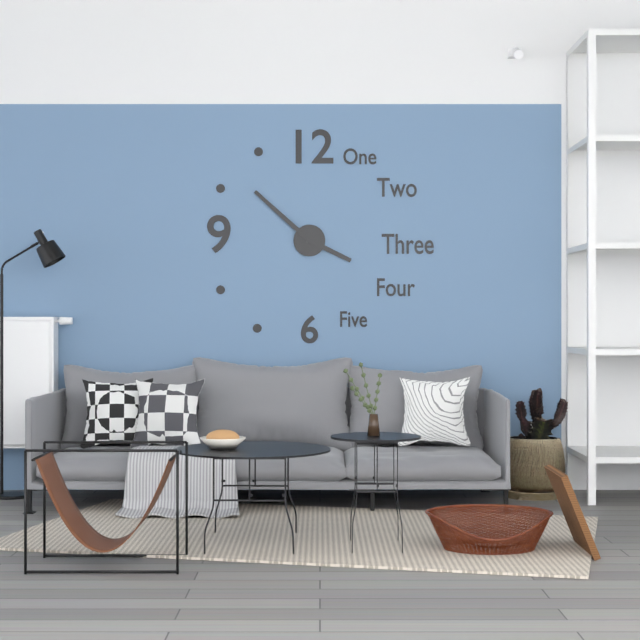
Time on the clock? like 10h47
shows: 3h52
